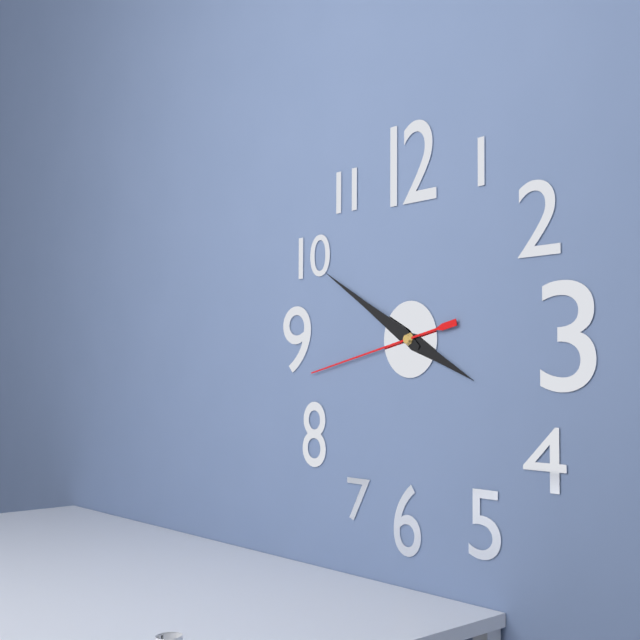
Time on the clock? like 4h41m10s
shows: 3h50m43s
